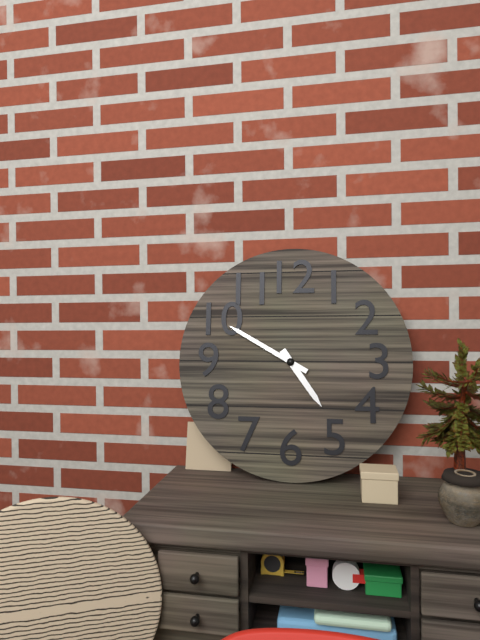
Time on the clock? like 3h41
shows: 4h50
